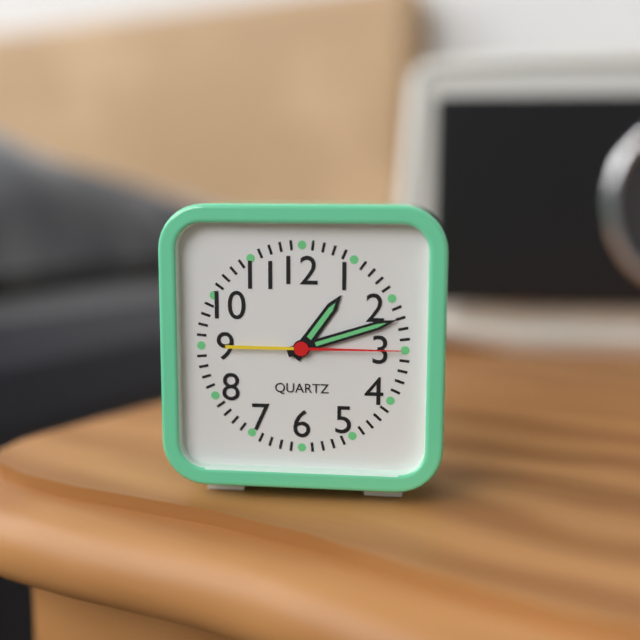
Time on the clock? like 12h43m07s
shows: 1h12m15s
